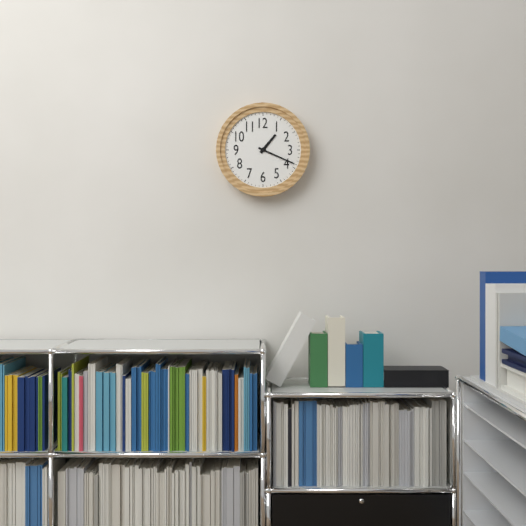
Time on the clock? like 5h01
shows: 1h19
